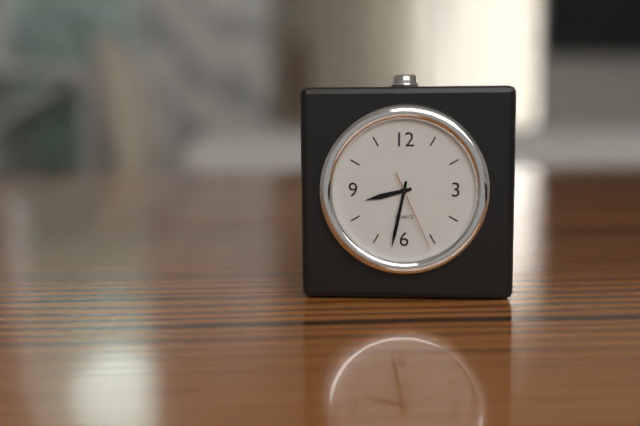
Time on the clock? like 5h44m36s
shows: 8h32m26s
